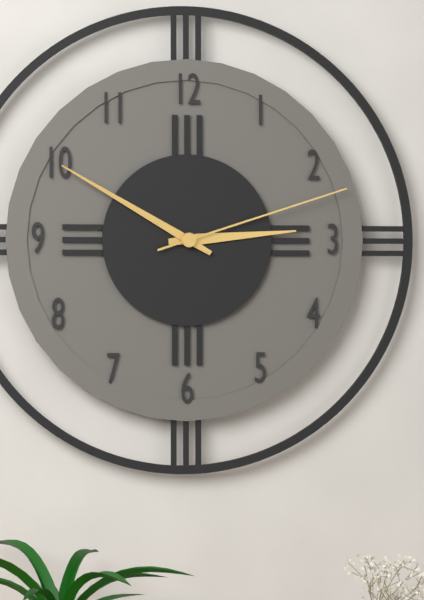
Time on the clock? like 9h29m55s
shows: 2h50m12s
